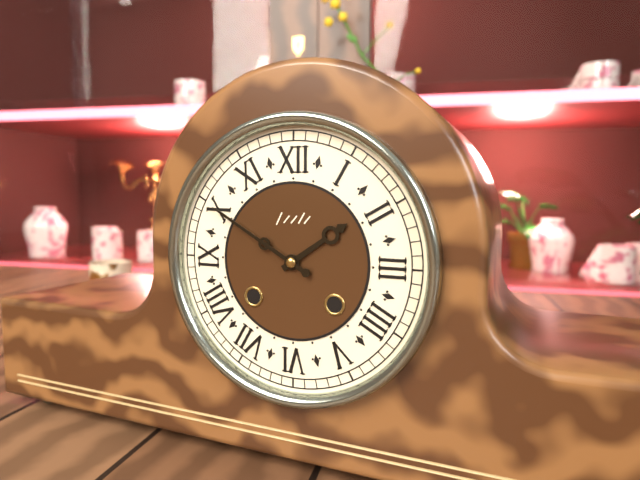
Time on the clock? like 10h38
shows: 1h50
